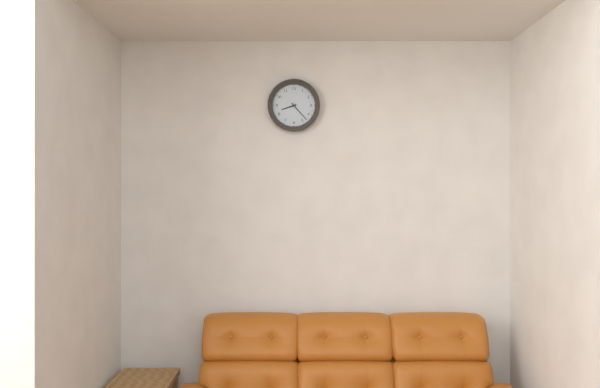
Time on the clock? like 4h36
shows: 8h23
